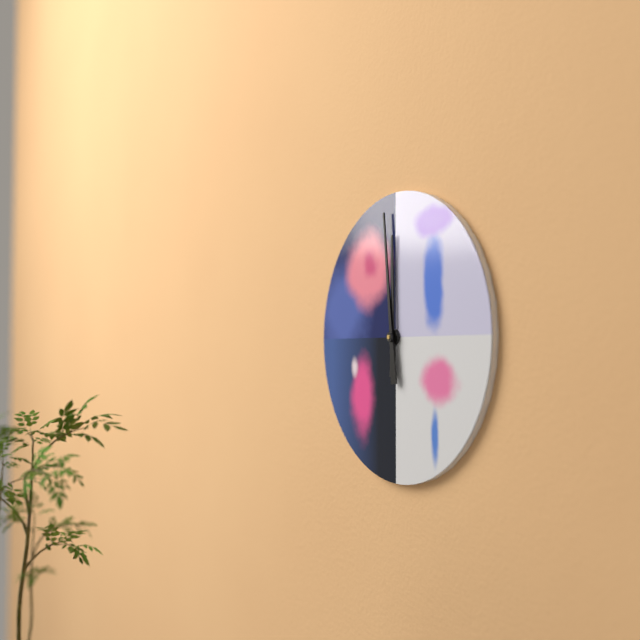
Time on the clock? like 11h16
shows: 11h59
